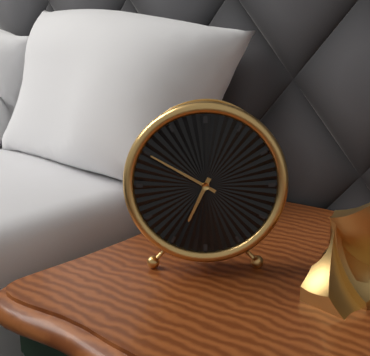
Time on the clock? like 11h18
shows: 6h50
